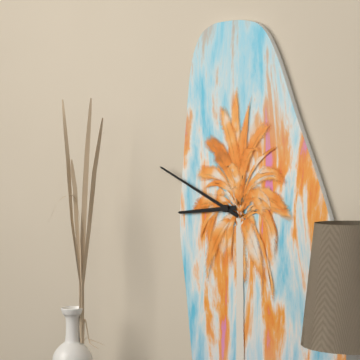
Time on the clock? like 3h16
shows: 8h49
